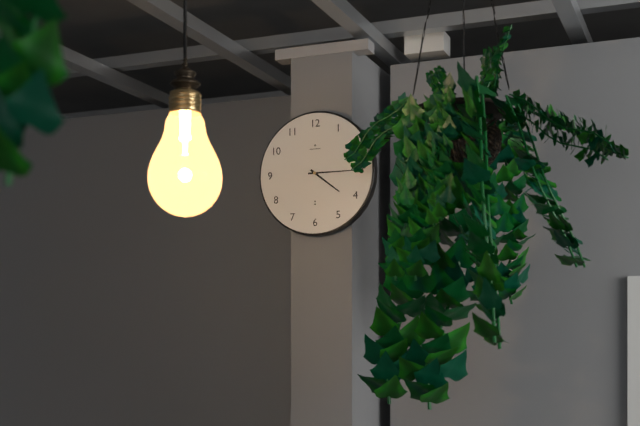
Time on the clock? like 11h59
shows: 4h15
